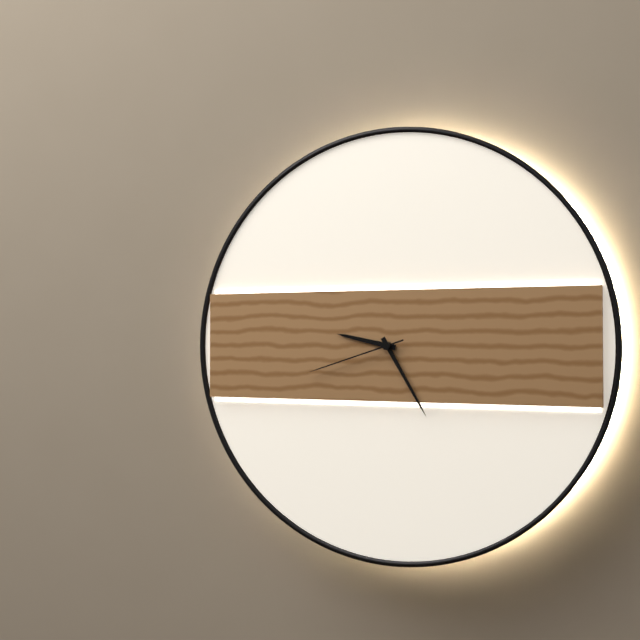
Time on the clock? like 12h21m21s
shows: 9h25m42s
